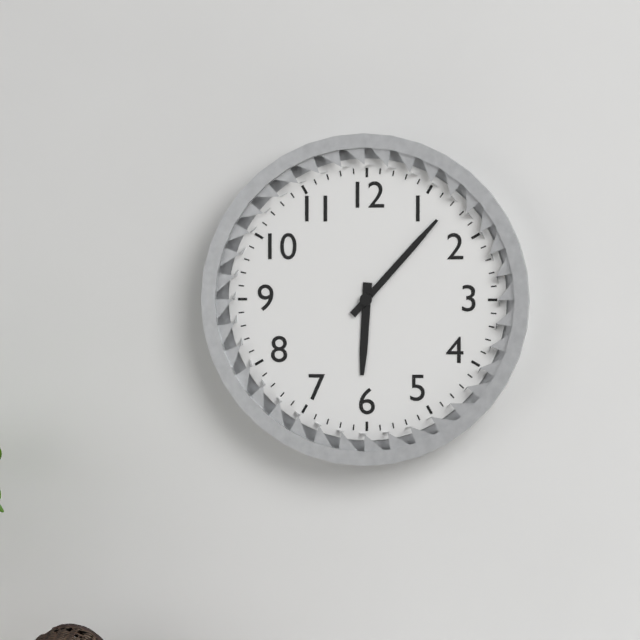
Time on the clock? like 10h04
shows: 6h07
